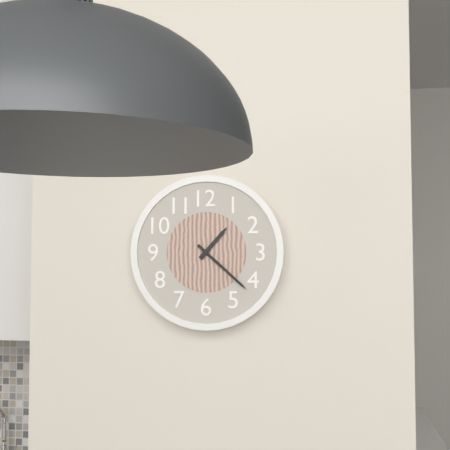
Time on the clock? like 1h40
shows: 1h22
